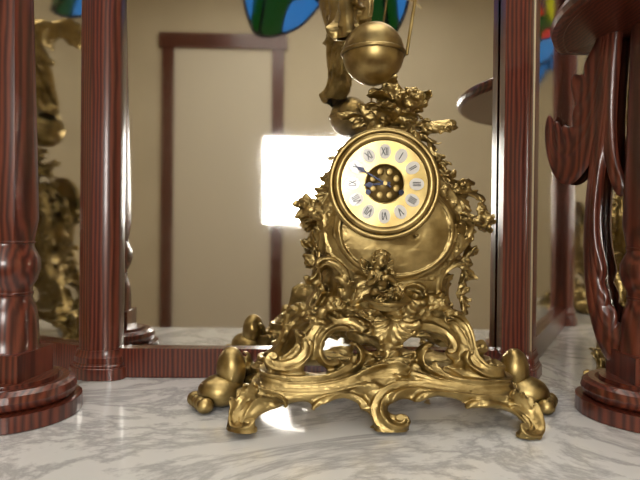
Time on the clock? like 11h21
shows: 8h50
